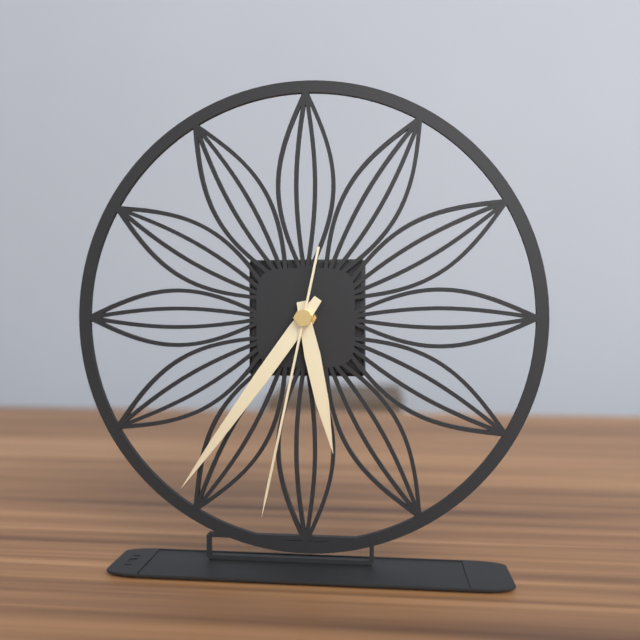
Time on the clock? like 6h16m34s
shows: 5h36m32s
